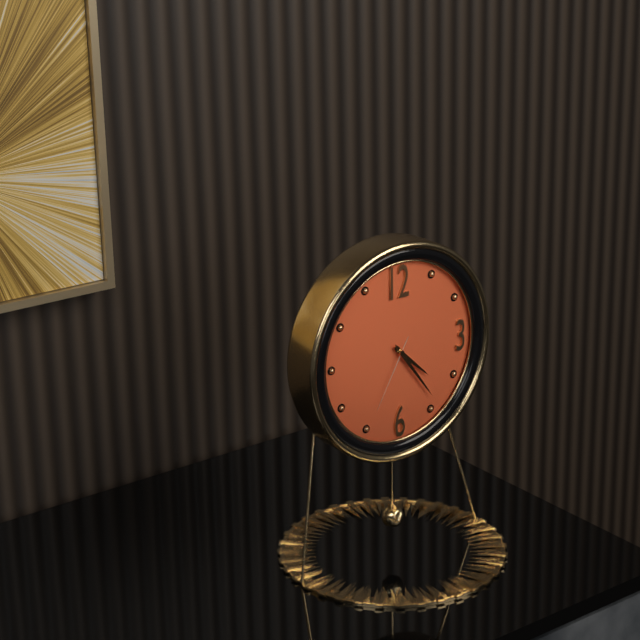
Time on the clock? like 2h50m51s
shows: 4h24m35s
